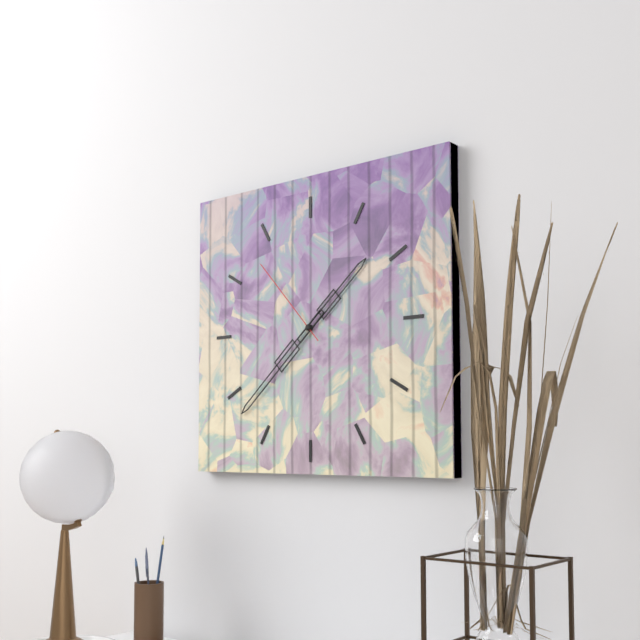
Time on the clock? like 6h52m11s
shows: 1h38m53s
